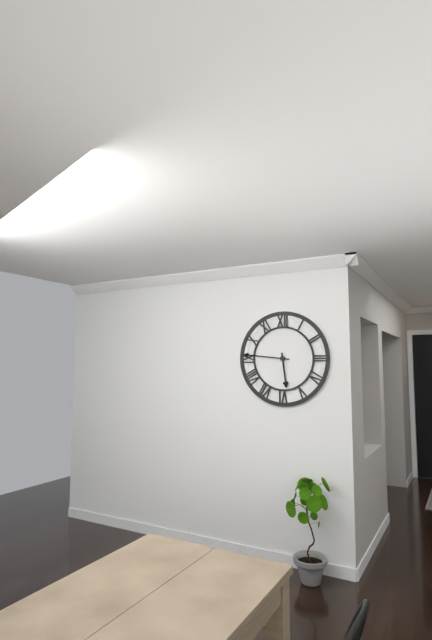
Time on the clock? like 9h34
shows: 5h46
